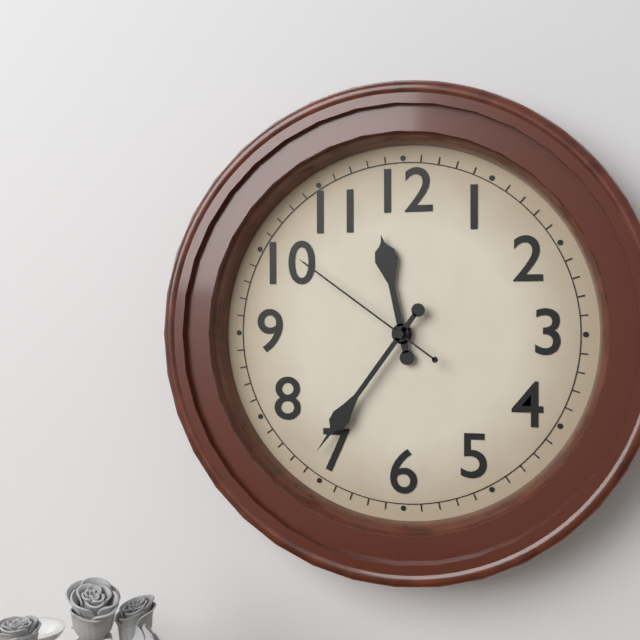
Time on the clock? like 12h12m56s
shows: 11h36m51s
